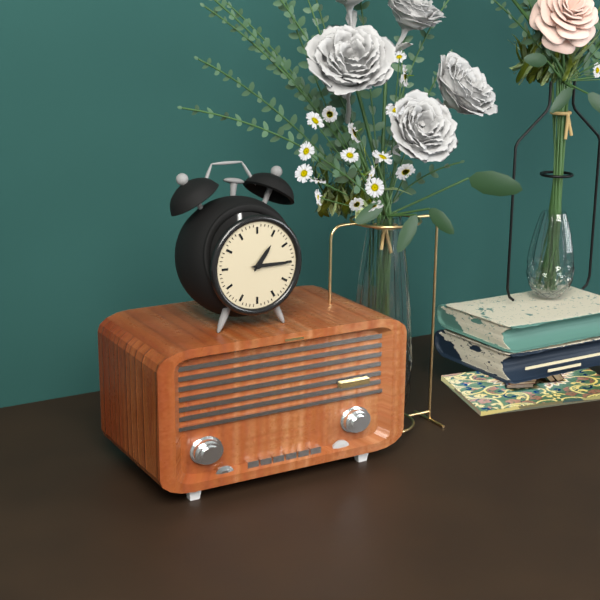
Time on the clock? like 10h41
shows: 1h15
